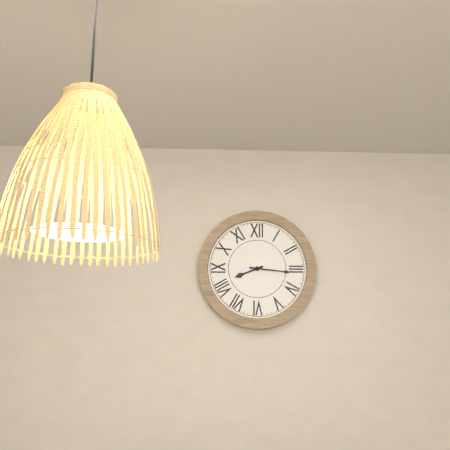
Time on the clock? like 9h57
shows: 8h16
